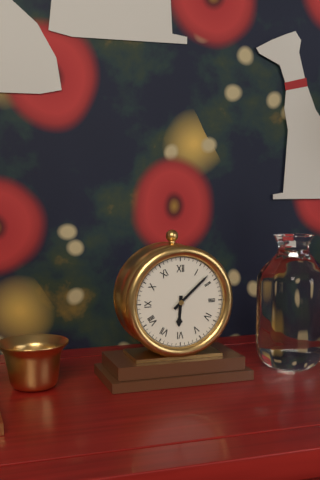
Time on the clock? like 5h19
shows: 6h08
